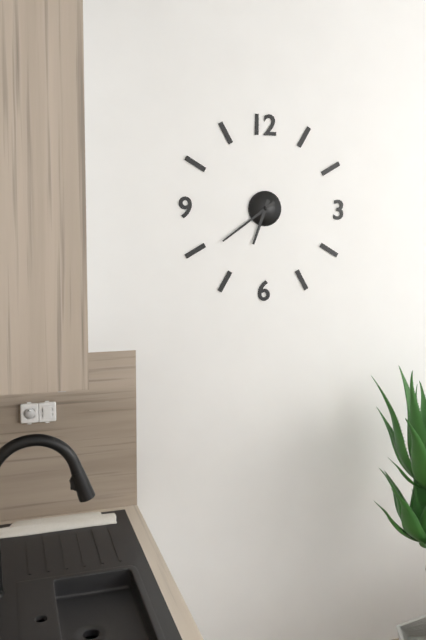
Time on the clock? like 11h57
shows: 6h39
